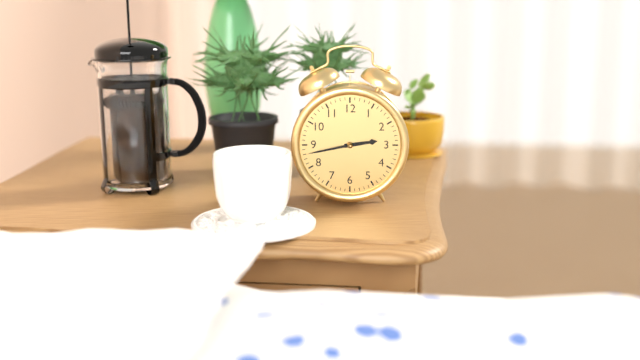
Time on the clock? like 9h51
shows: 2h43
